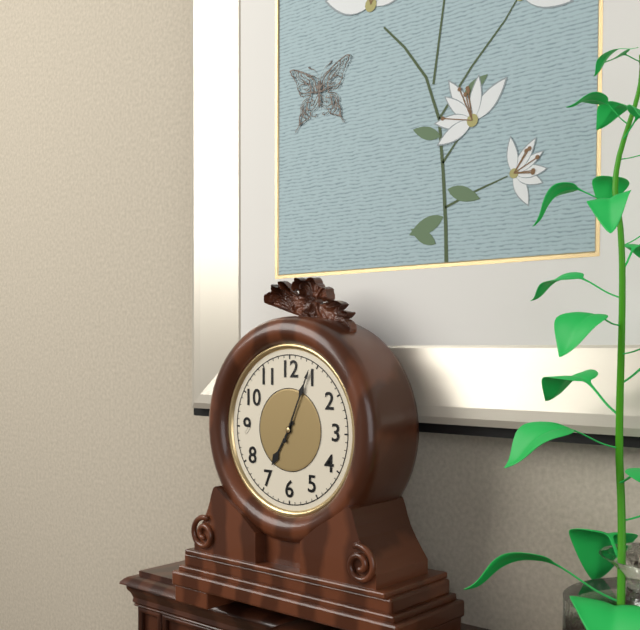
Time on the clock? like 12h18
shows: 7h04
